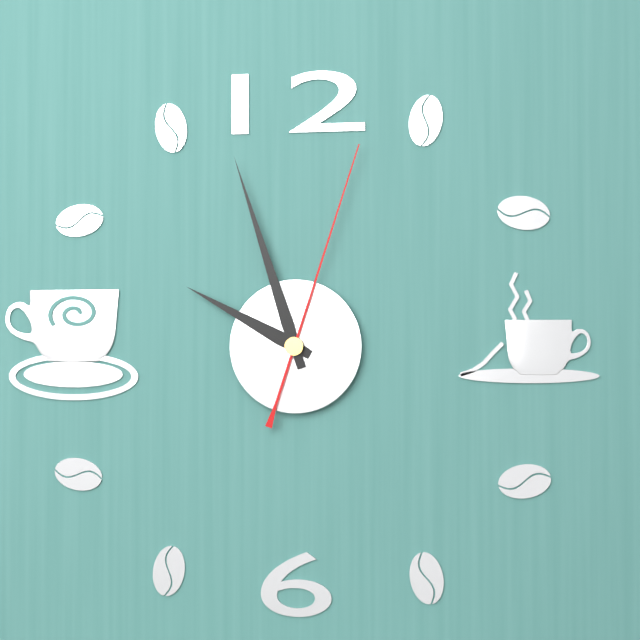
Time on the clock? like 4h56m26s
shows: 9h57m03s
